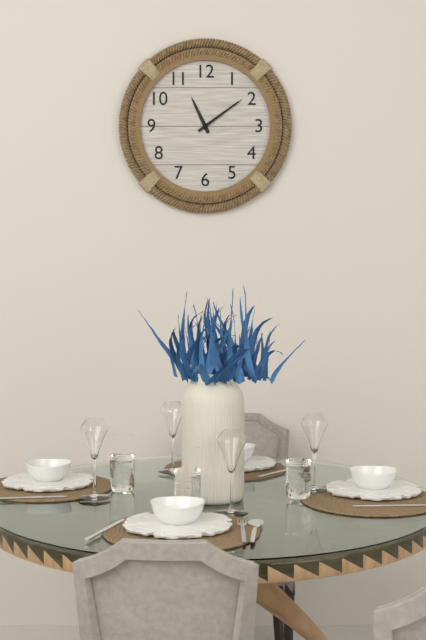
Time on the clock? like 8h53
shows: 11h09
